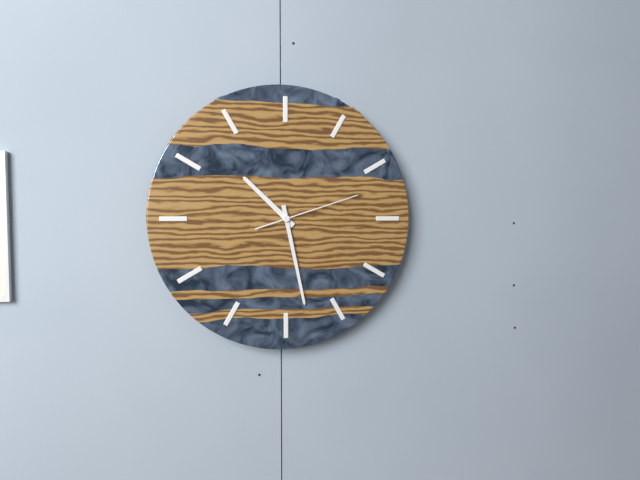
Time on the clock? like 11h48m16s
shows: 10h28m12s
